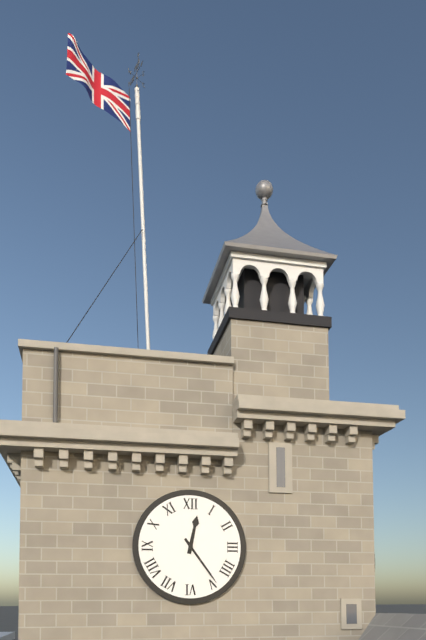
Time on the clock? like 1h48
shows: 12h24
